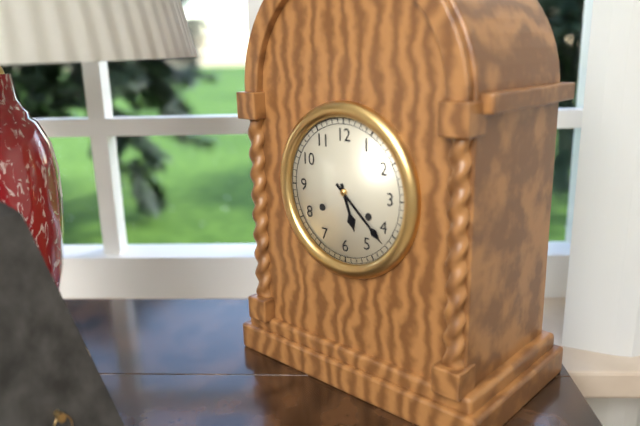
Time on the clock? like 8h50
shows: 5h22
